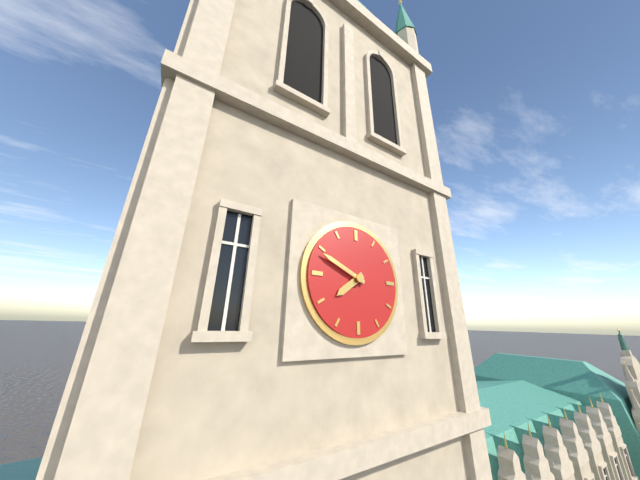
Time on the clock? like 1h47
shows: 7h49
